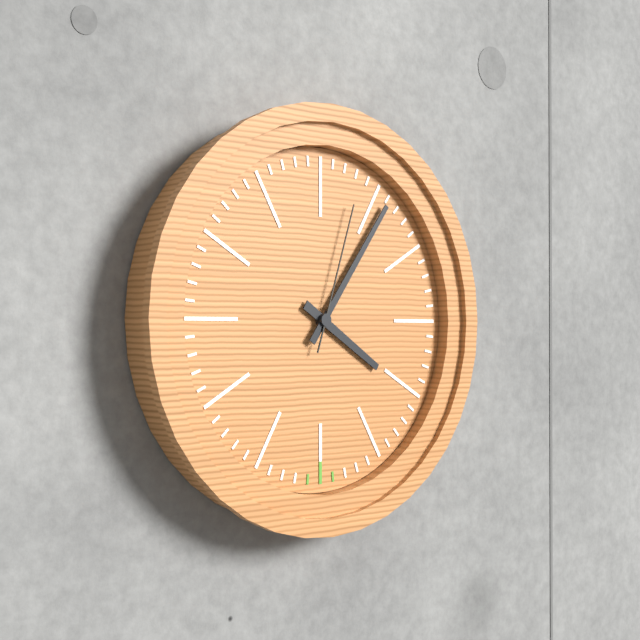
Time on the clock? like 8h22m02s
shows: 4h06m03s
